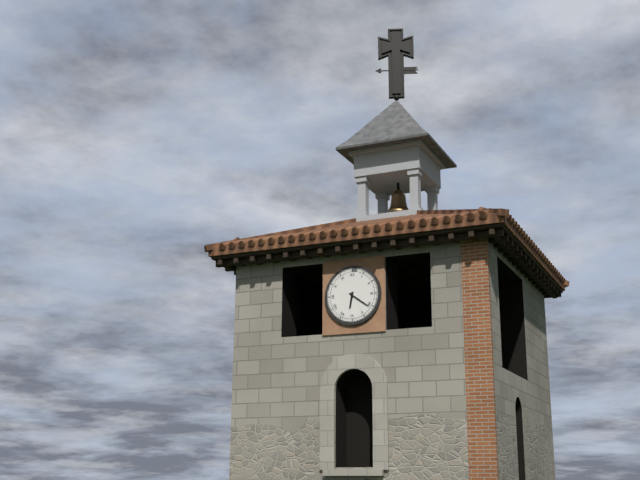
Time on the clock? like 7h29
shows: 6h21
